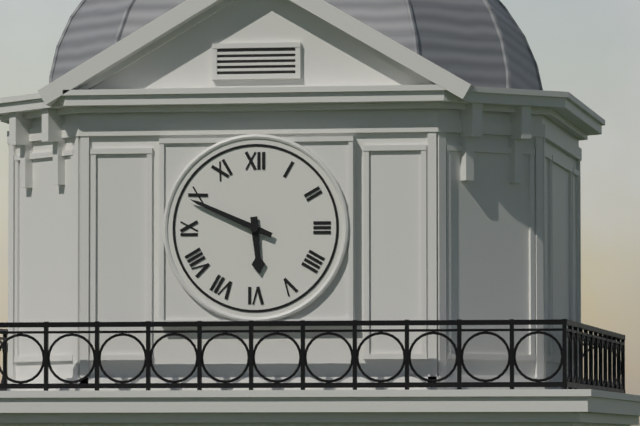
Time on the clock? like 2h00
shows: 5h49
